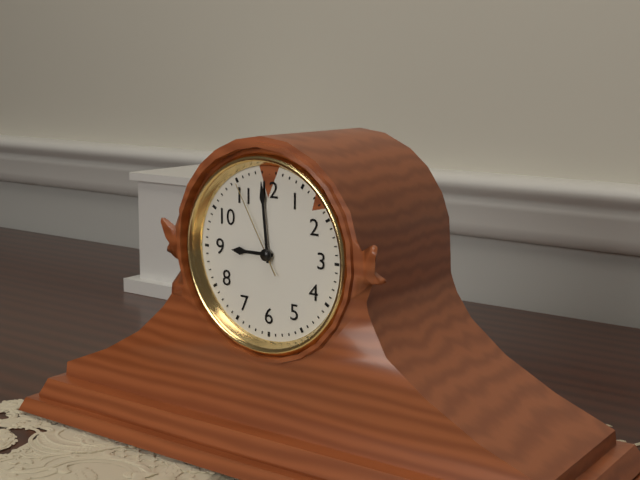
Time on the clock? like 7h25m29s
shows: 8h59m55s
